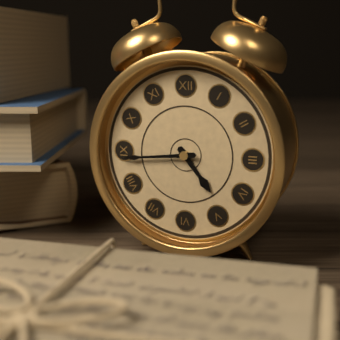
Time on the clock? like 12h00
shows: 4h44
